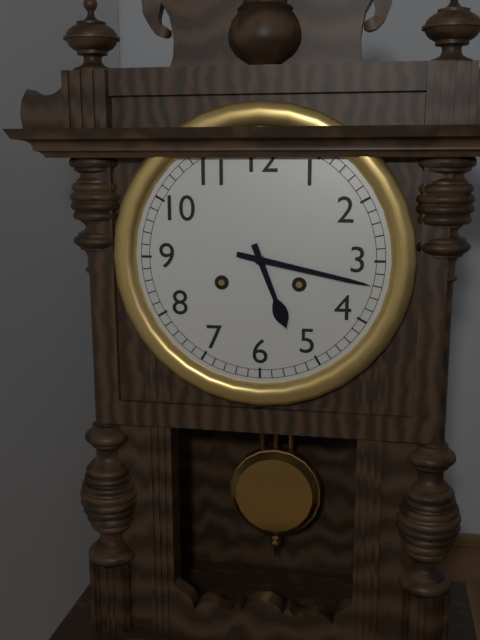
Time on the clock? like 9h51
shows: 5h17
